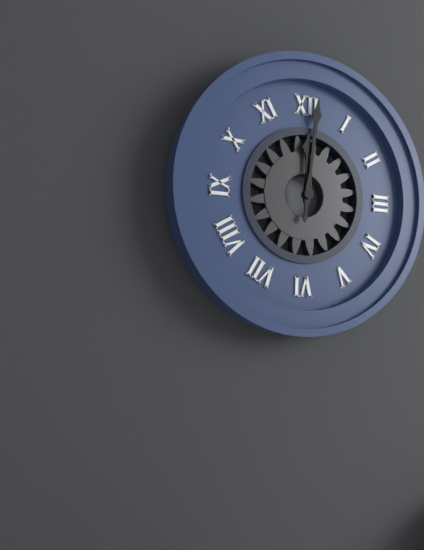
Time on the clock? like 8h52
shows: 12h01
